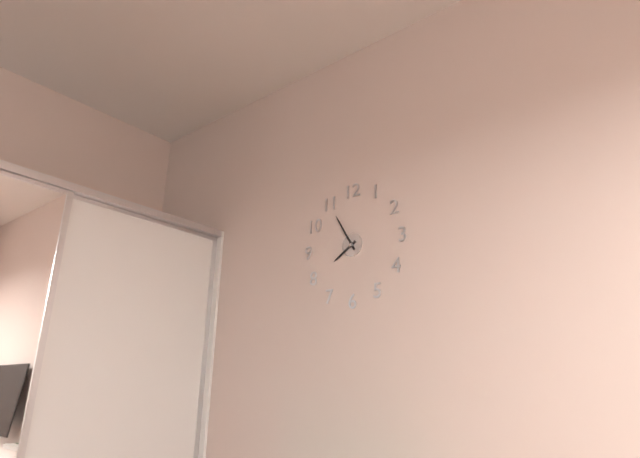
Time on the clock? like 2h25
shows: 7h55
